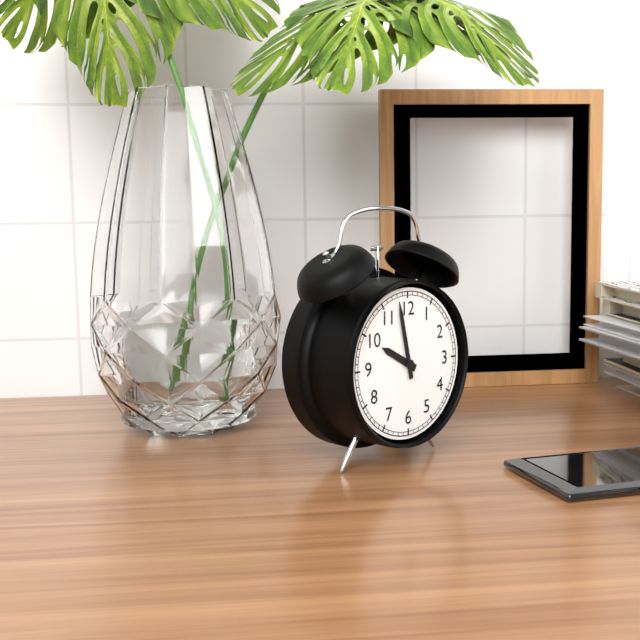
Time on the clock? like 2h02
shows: 9h58
